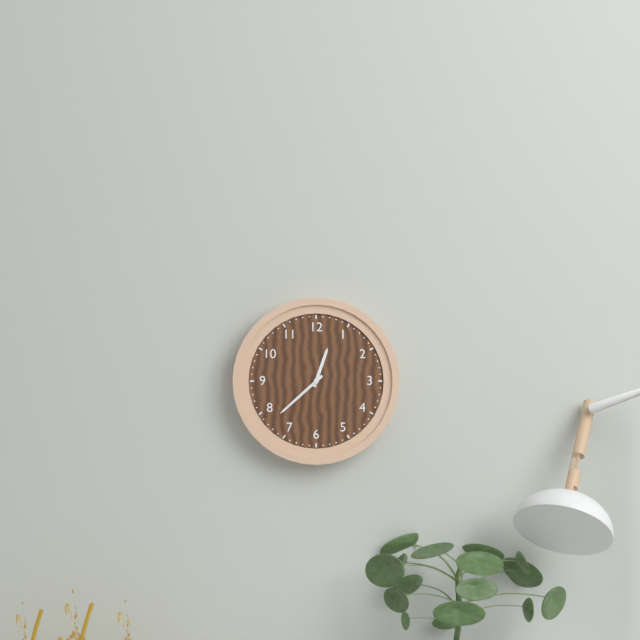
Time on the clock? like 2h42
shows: 12h38
